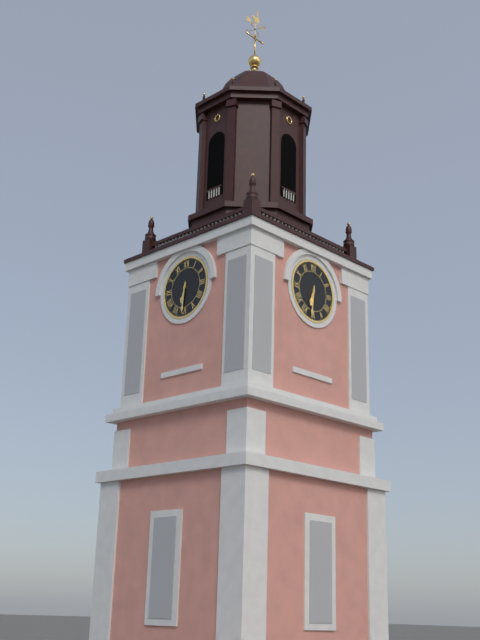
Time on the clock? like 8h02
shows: 6h31
